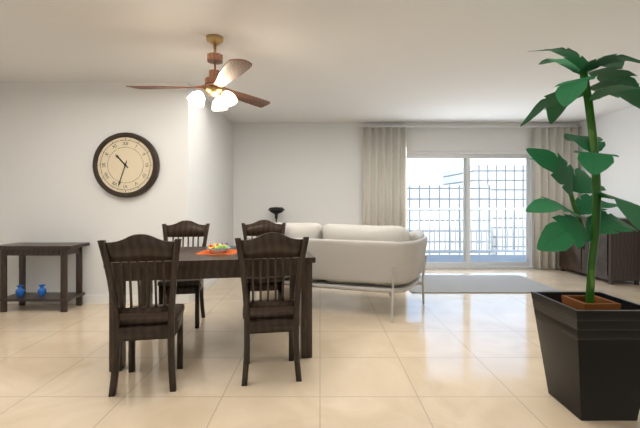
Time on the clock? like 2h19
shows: 10h33
